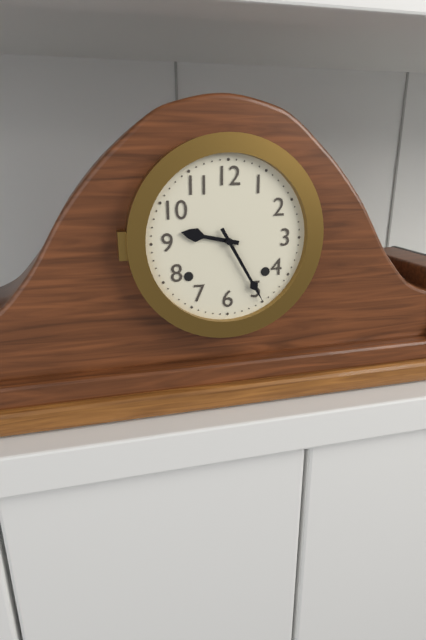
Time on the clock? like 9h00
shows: 9h25
